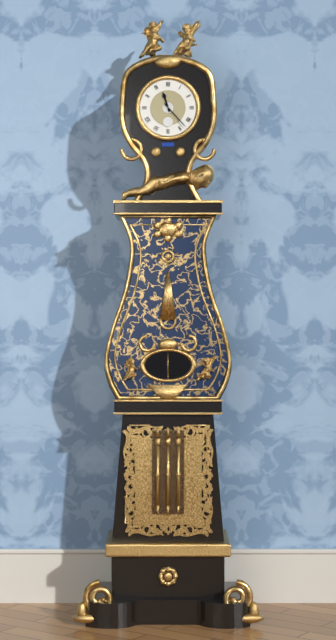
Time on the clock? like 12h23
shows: 11h23
